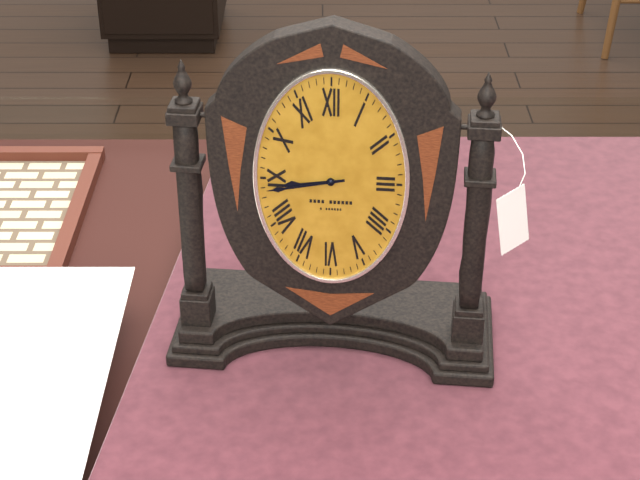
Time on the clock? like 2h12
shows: 8h43
